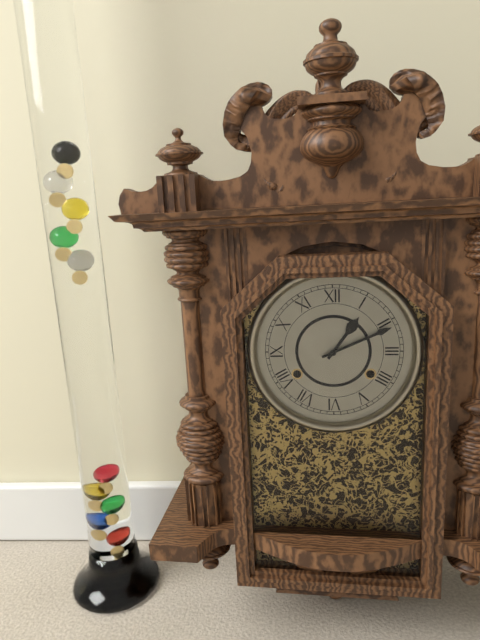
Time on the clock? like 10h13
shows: 1h11
